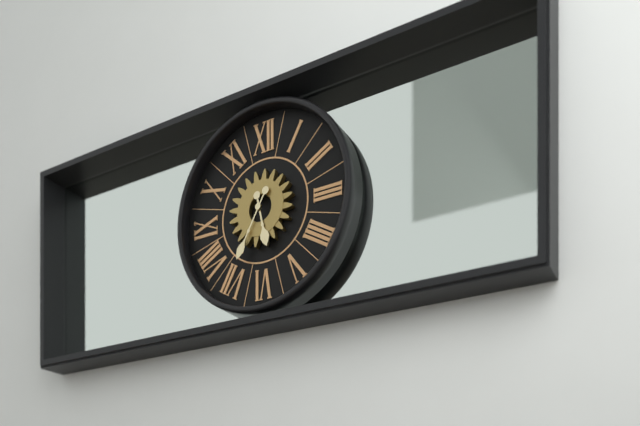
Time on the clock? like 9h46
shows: 5h35
